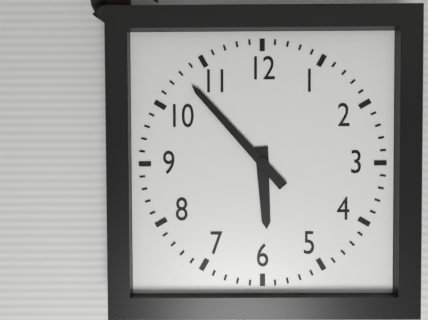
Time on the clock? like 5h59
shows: 5h53
